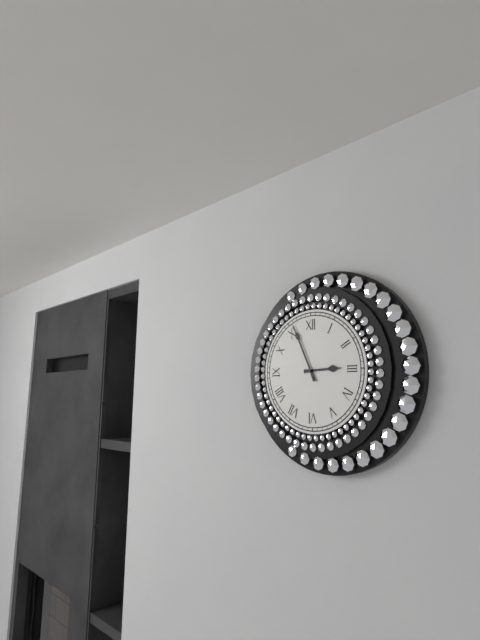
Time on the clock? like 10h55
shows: 2h56
